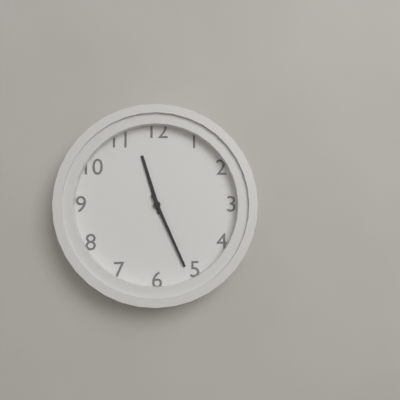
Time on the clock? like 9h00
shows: 11h26
